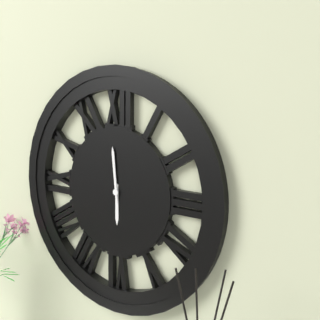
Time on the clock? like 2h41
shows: 5h59
